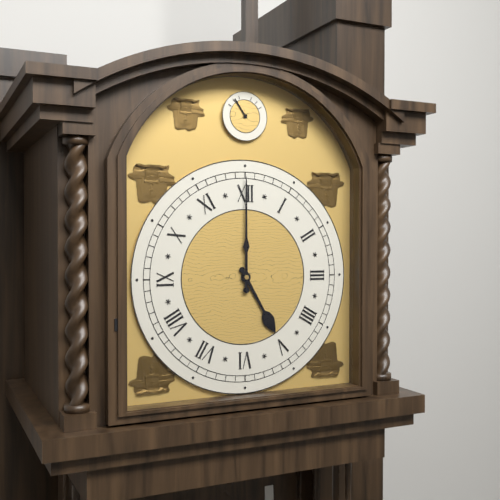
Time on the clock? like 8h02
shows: 5h00
